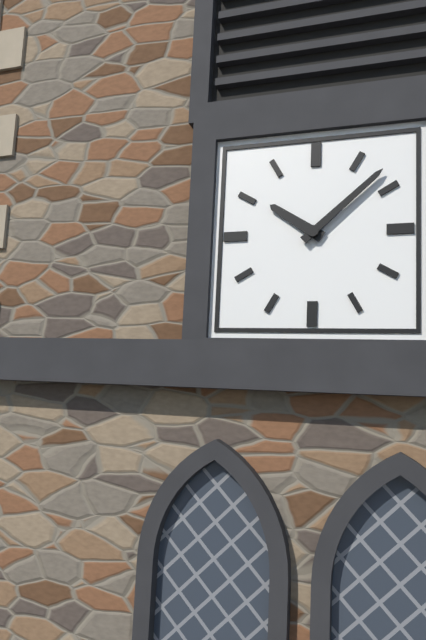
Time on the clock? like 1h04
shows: 10h08
